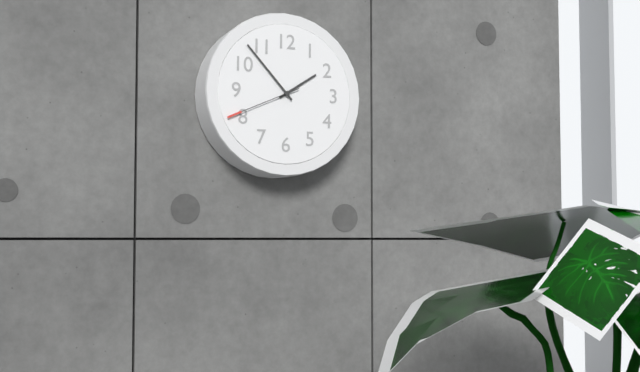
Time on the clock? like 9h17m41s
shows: 1h53m41s
